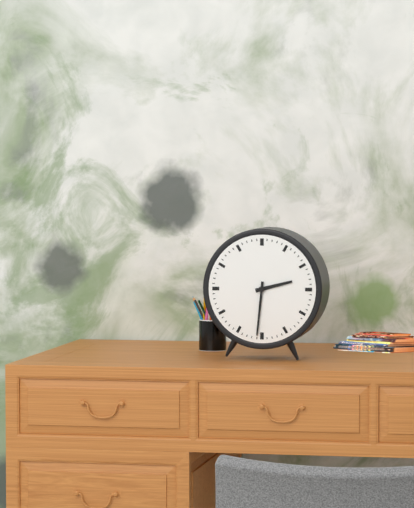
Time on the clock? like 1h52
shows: 2h31
